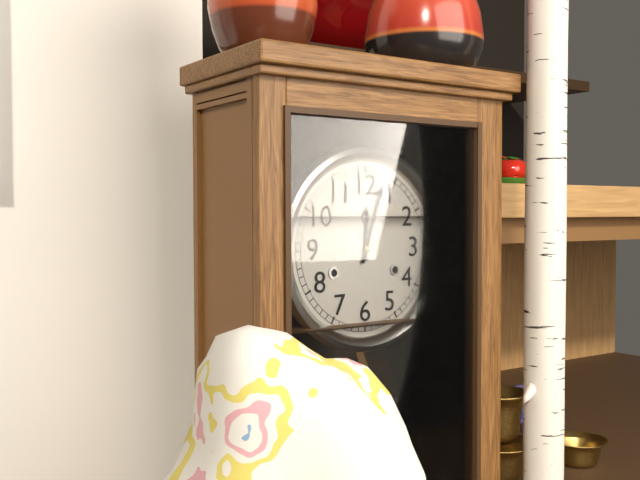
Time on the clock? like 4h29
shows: 12h03
